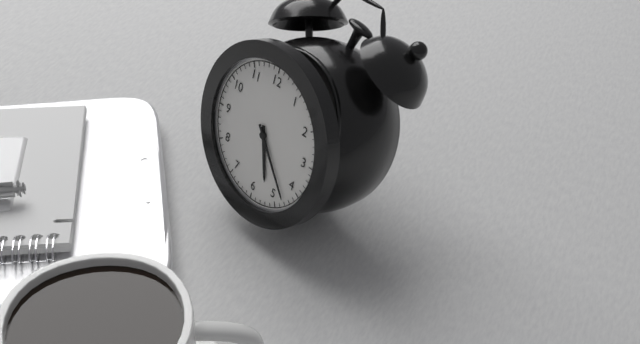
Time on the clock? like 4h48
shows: 5h23
